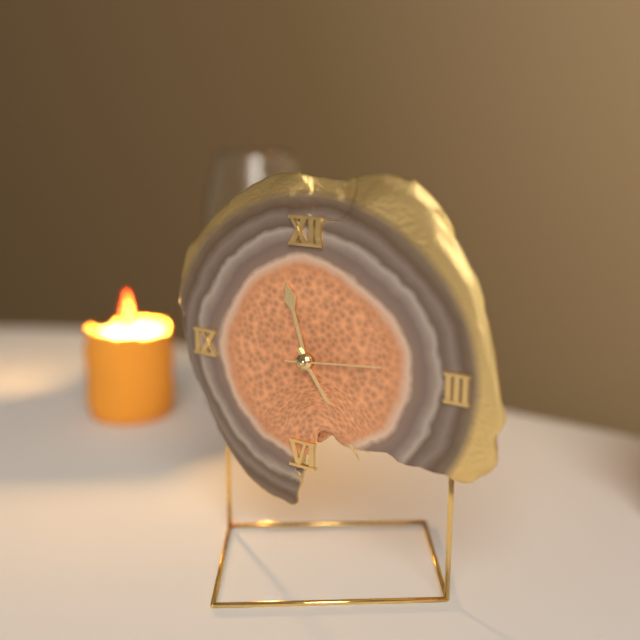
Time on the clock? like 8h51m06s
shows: 11h24m14s
